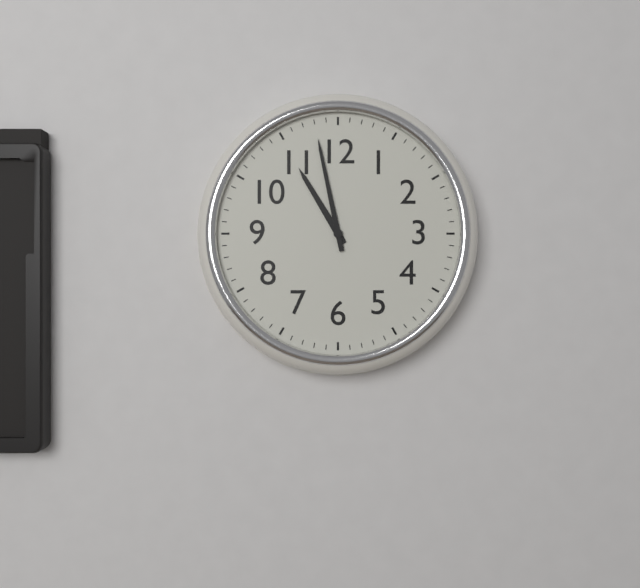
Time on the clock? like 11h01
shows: 10h58
